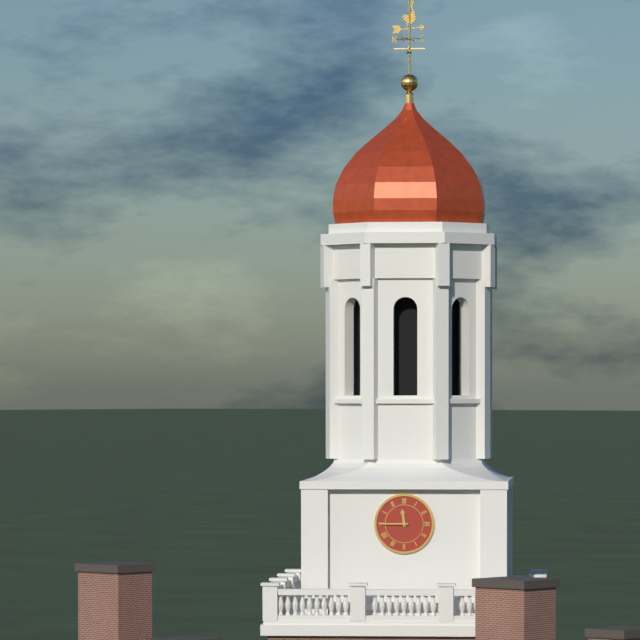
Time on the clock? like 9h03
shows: 11h45
